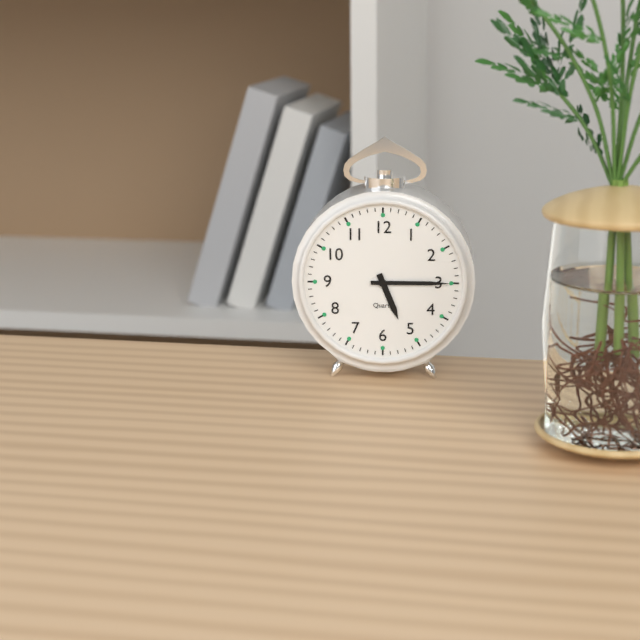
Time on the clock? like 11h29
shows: 5h15
